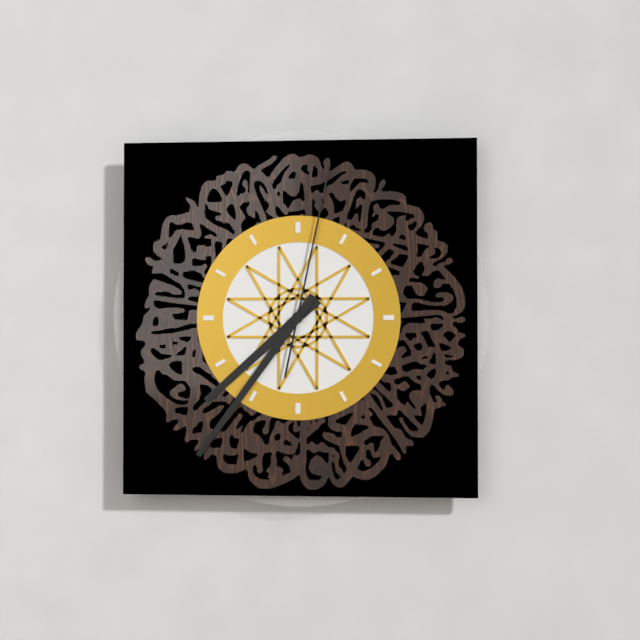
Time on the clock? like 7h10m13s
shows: 7h36m02s
